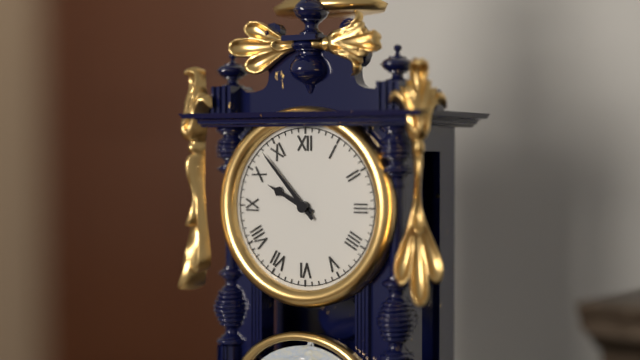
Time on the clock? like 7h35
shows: 9h53
